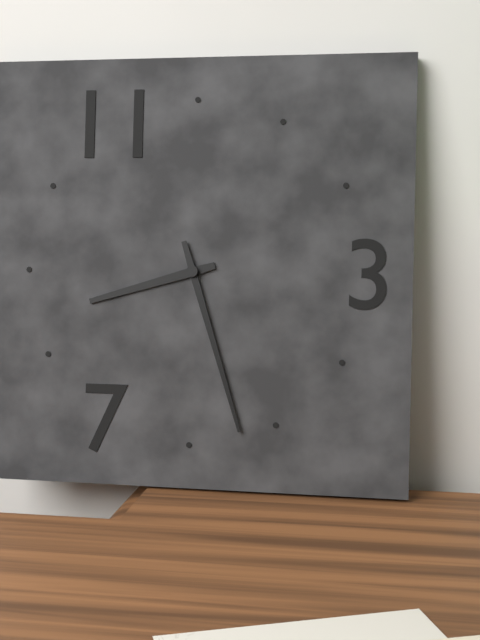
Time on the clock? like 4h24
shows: 8h27
